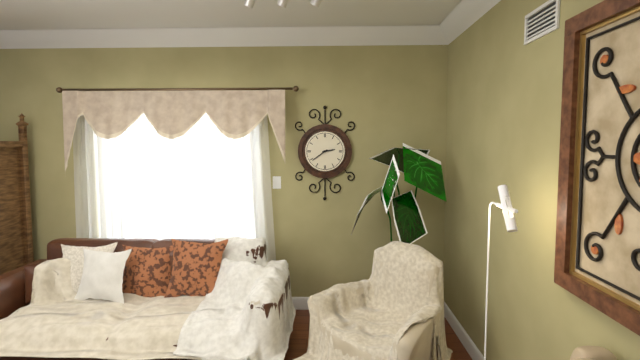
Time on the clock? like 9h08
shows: 2h39
